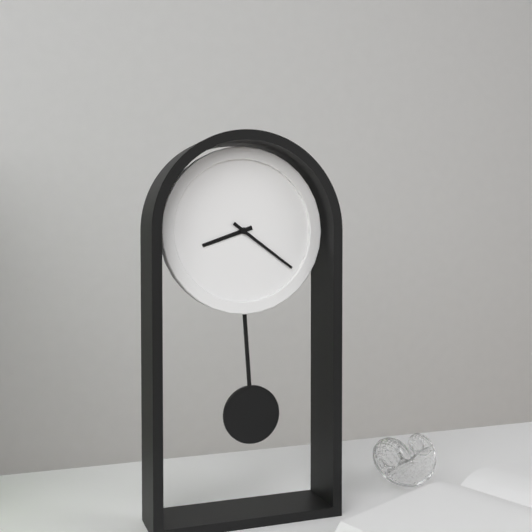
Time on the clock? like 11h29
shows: 8h21
